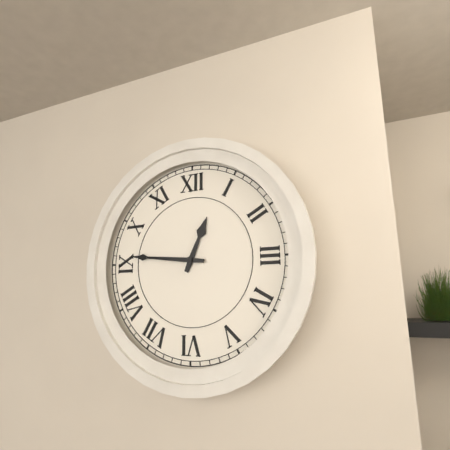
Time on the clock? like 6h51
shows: 12h46
